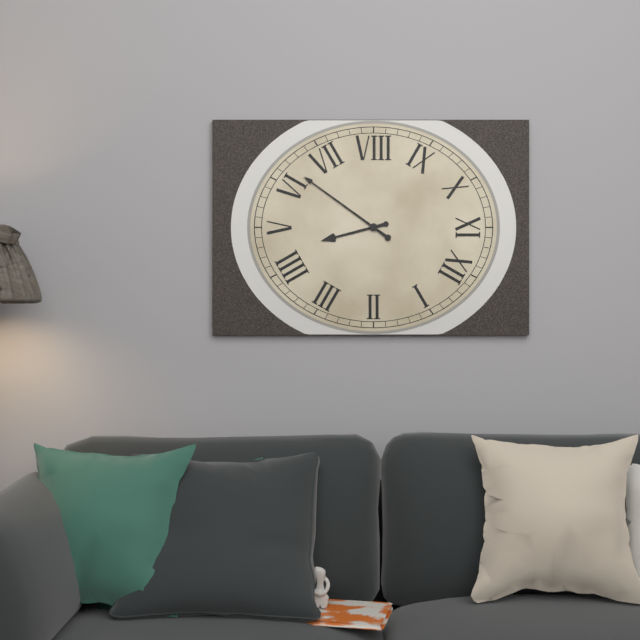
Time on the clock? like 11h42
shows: 4h31
